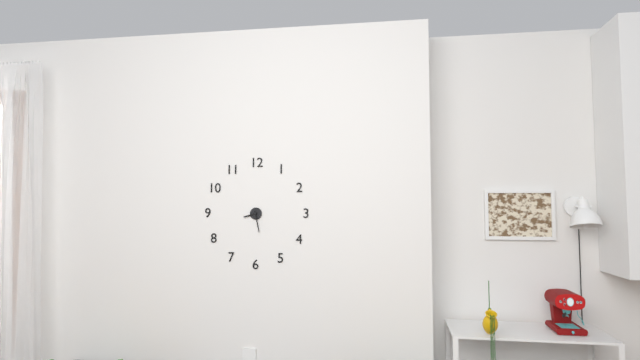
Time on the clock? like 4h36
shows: 8h28
